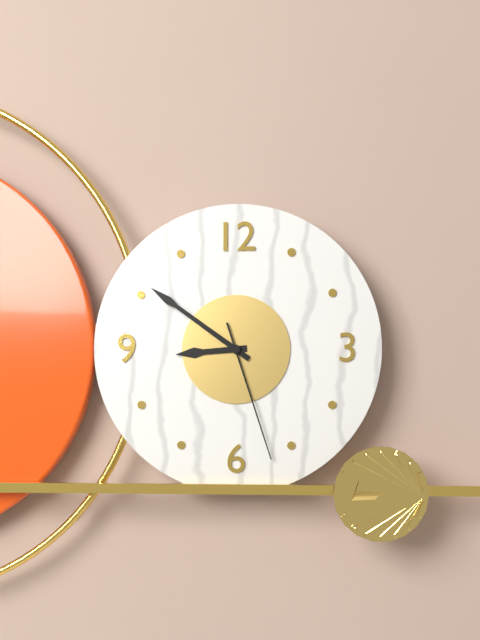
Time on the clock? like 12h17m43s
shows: 8h51m27s
